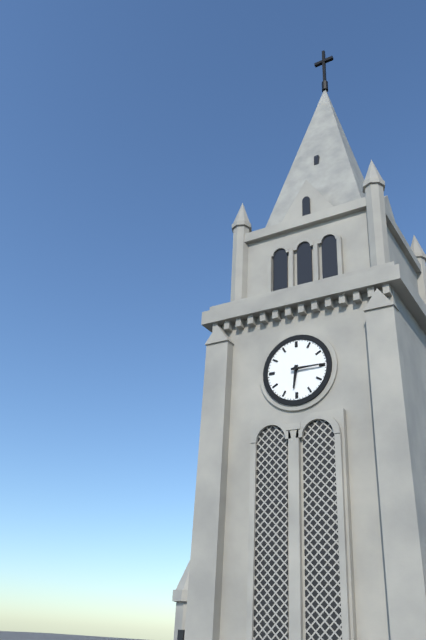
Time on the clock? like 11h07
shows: 6h15
